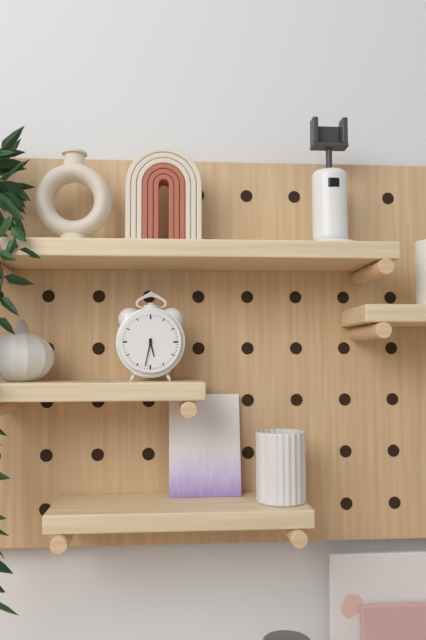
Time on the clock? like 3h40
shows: 5h32
